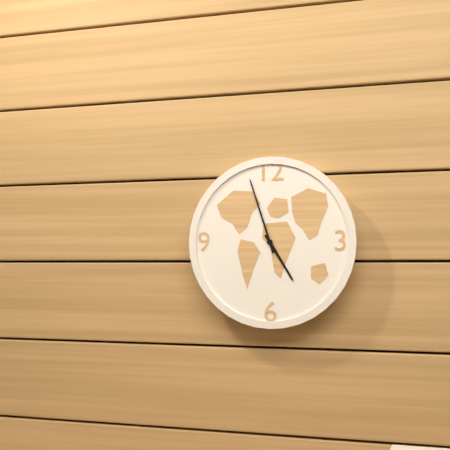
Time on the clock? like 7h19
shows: 4h57
